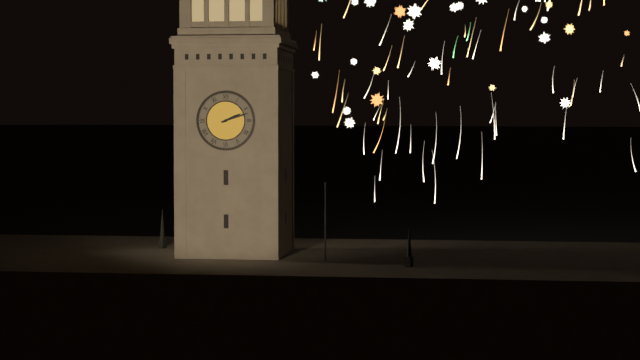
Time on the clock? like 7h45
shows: 2h12
